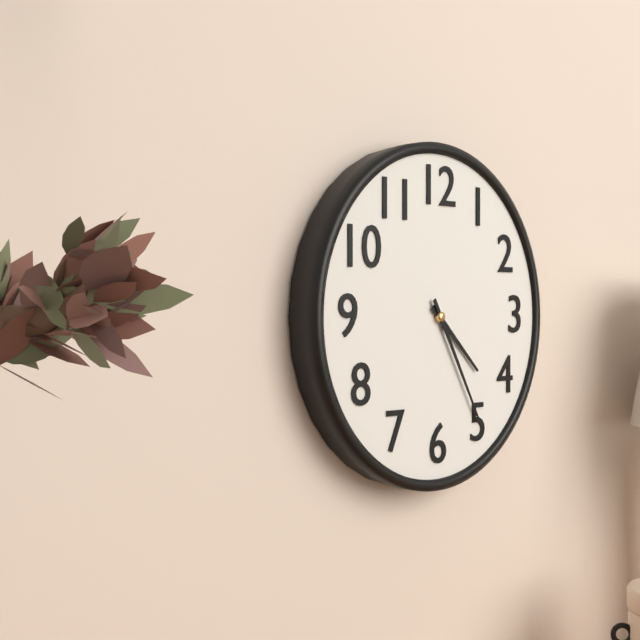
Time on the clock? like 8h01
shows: 4h25
